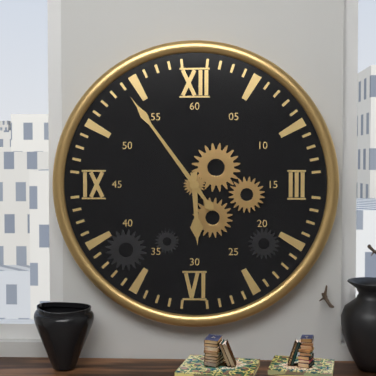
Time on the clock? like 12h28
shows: 5h54
